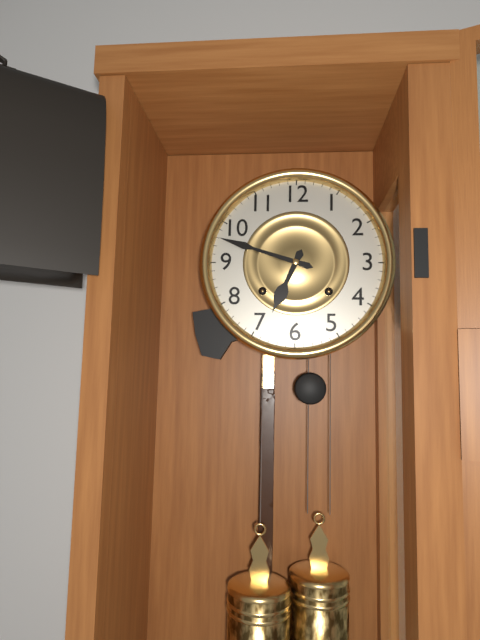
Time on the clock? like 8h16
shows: 6h48
